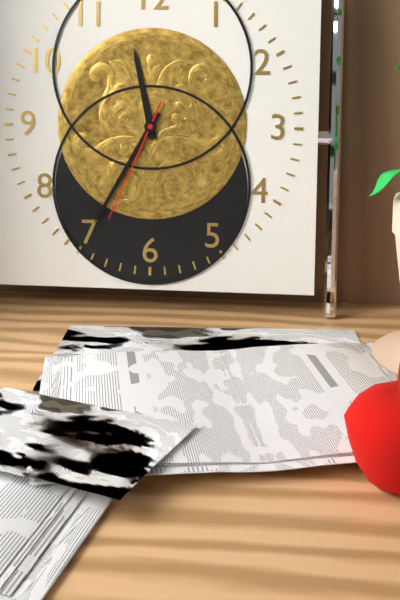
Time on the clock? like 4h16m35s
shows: 11h35m34s
